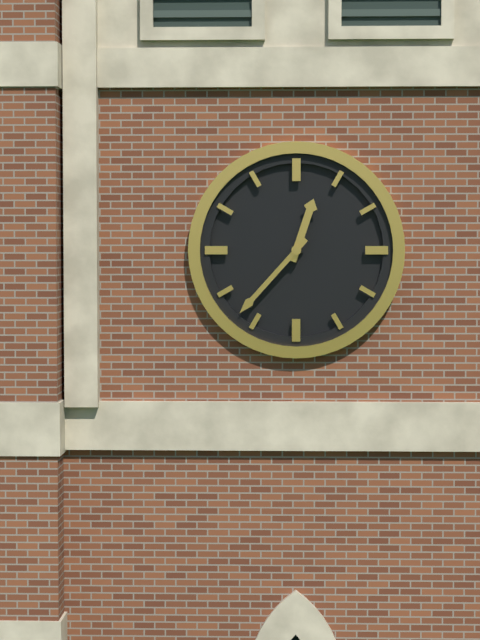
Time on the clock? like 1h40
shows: 12h37
